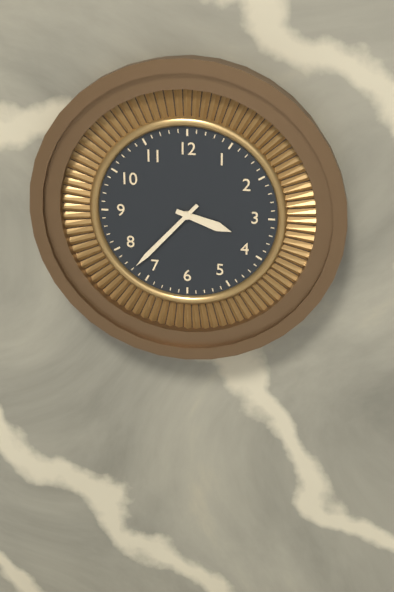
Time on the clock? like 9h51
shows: 3h37
